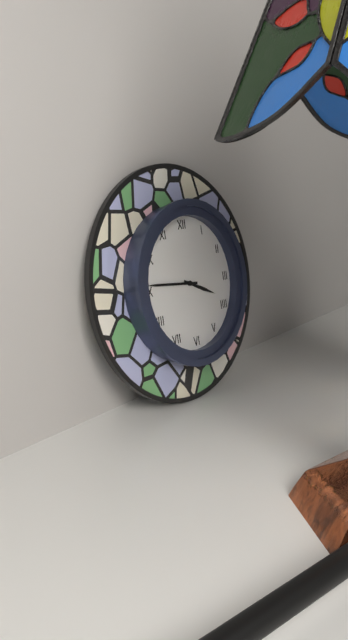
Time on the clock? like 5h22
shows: 3h46
